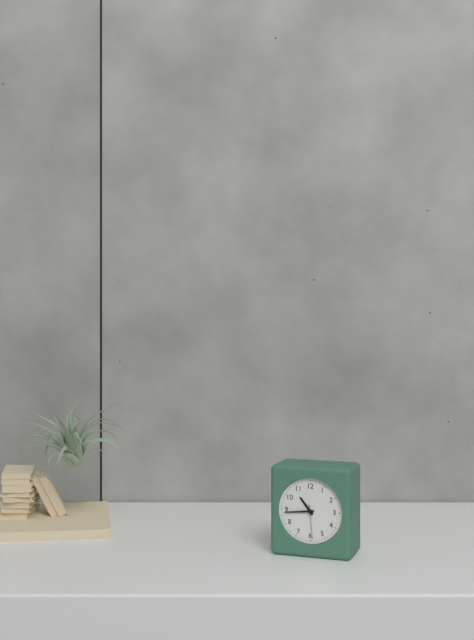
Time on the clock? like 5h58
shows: 10h44
